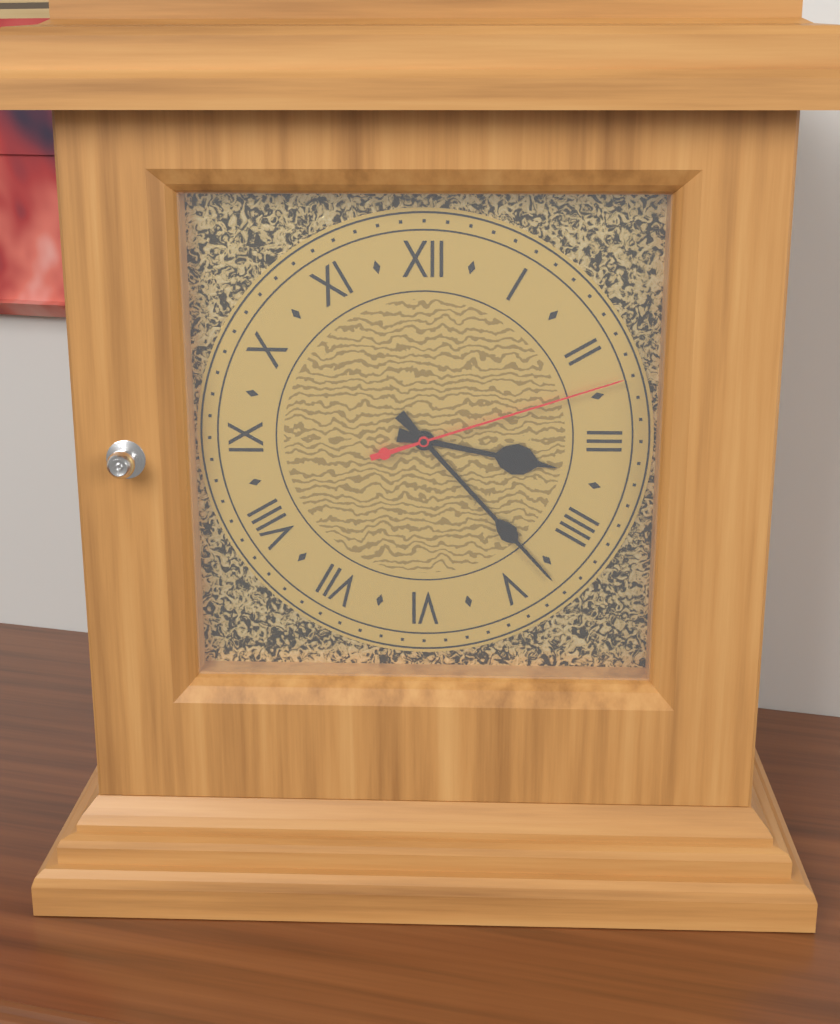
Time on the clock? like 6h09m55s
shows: 3h23m12s
